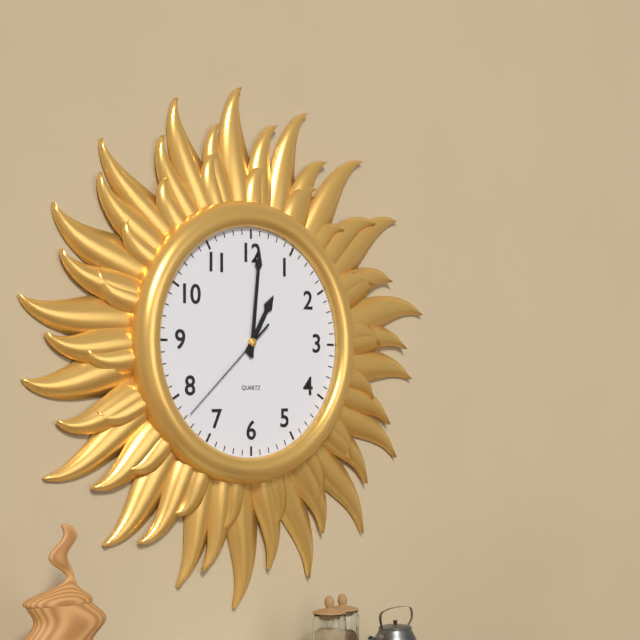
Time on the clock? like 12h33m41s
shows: 1h01m38s
